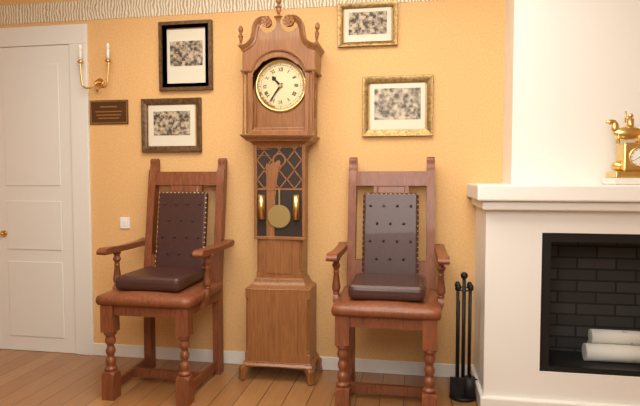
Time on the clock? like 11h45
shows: 10h36
